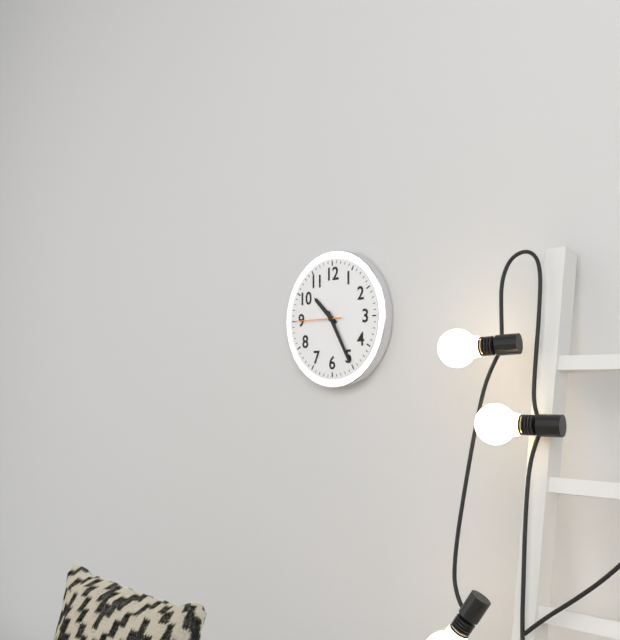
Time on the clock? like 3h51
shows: 10h25
